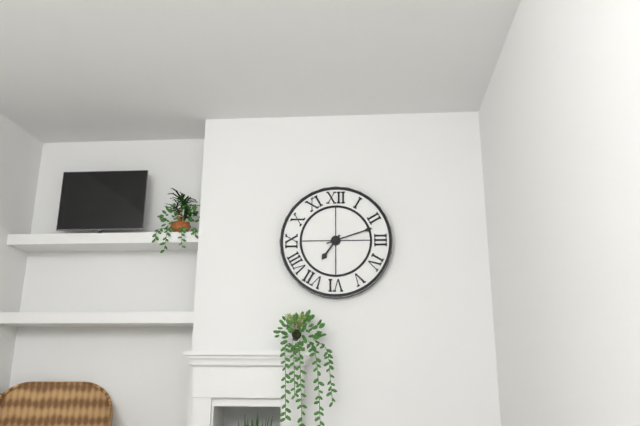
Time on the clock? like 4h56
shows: 7h12
